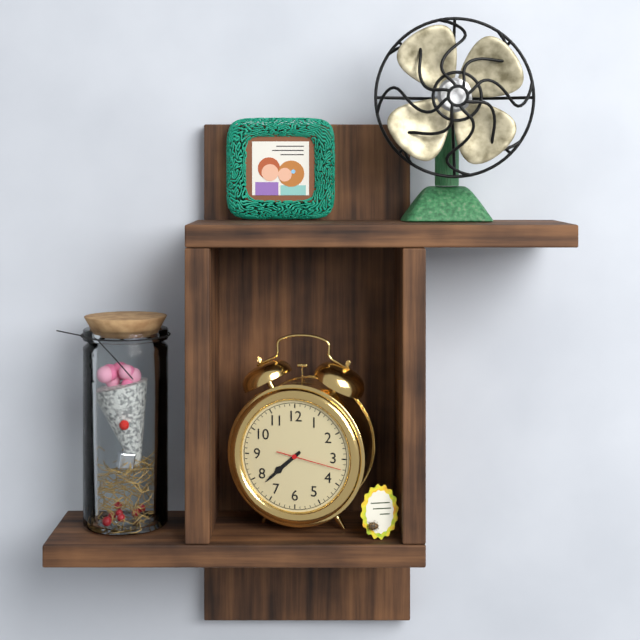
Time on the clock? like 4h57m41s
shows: 7h38m17s
